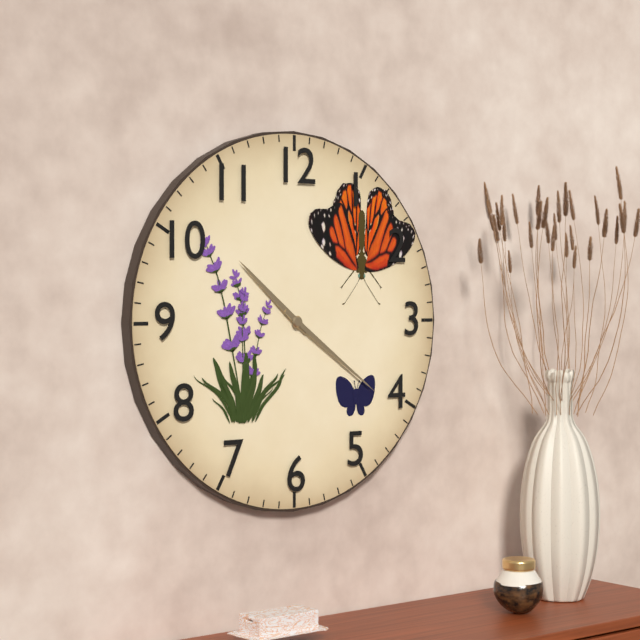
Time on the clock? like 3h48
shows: 10h21
